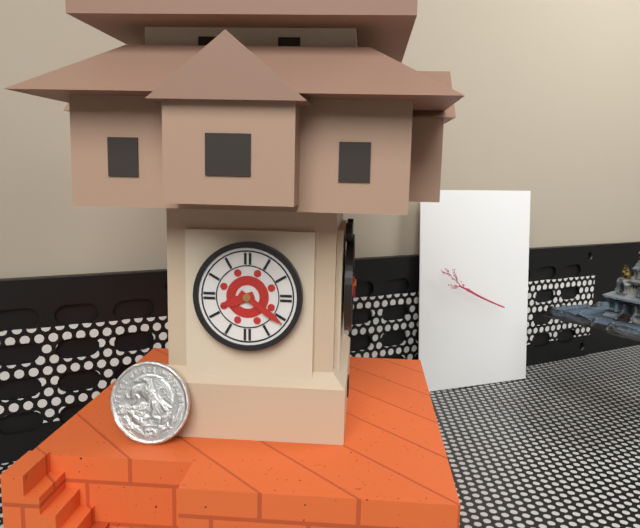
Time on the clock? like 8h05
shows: 8h21
